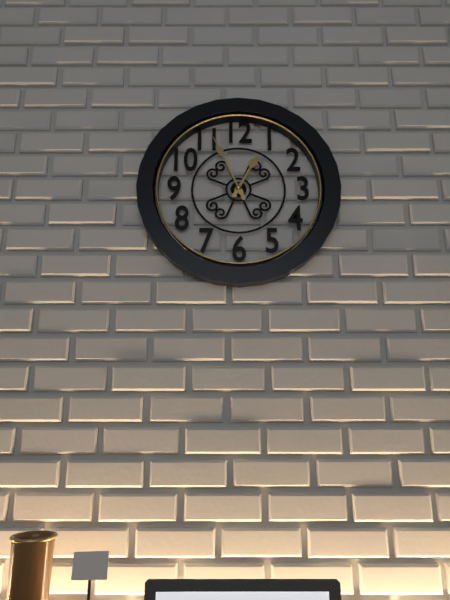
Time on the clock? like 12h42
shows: 12h56
